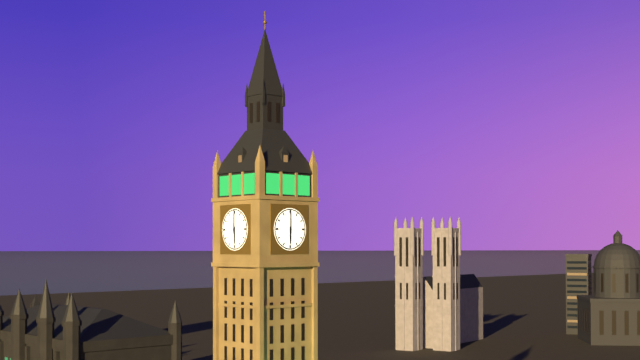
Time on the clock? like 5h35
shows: 6h00
